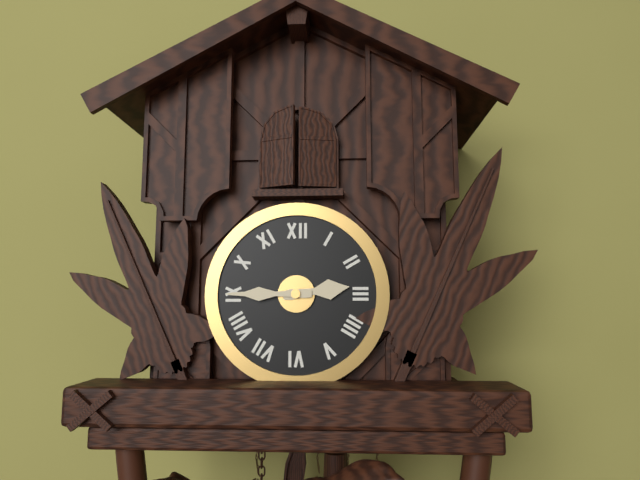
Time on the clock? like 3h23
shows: 2h45
